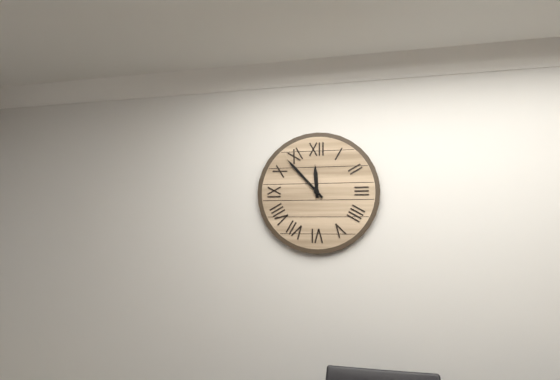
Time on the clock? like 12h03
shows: 11h53
